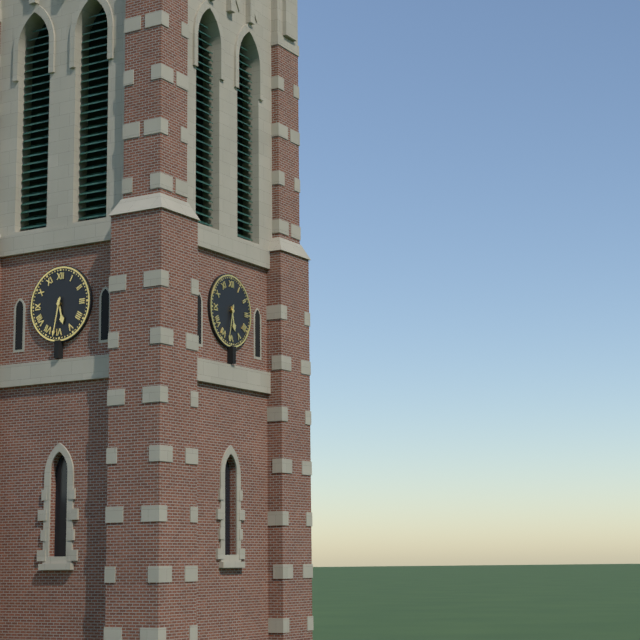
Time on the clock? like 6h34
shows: 5h32
